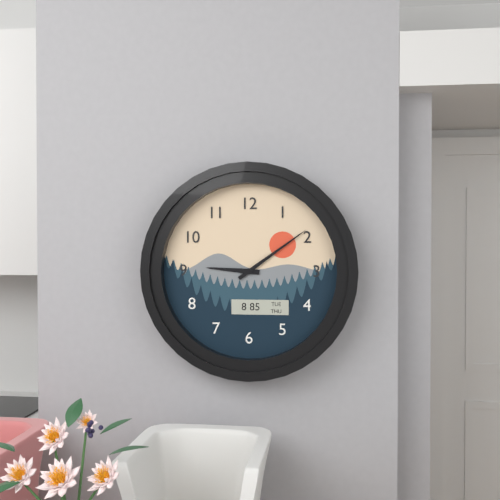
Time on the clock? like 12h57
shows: 9h09
